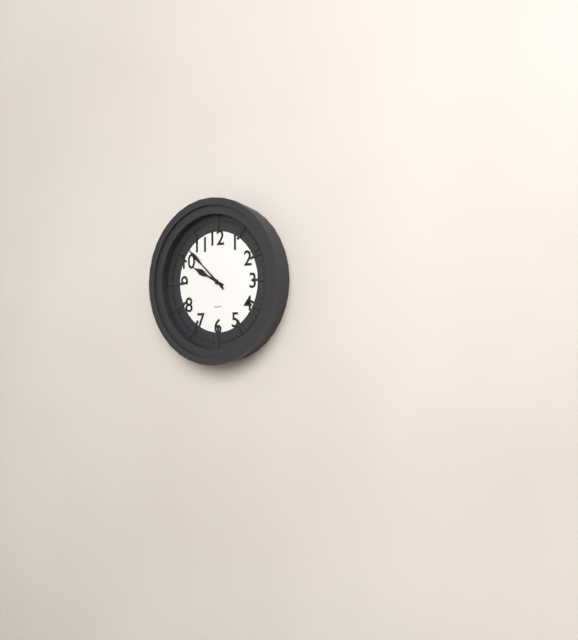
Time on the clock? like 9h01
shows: 9h52
